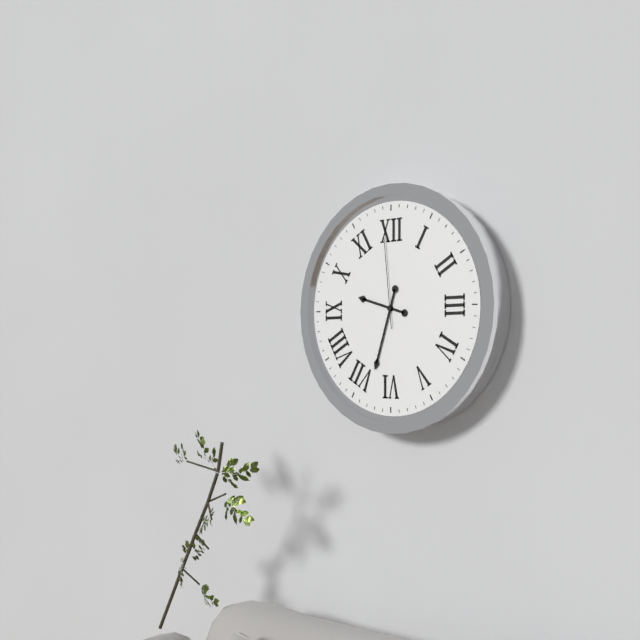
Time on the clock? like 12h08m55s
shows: 9h33m59s
